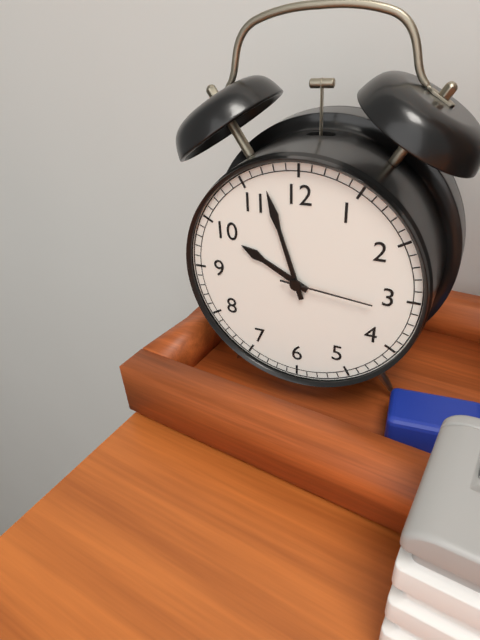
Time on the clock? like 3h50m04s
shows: 9h57m16s
